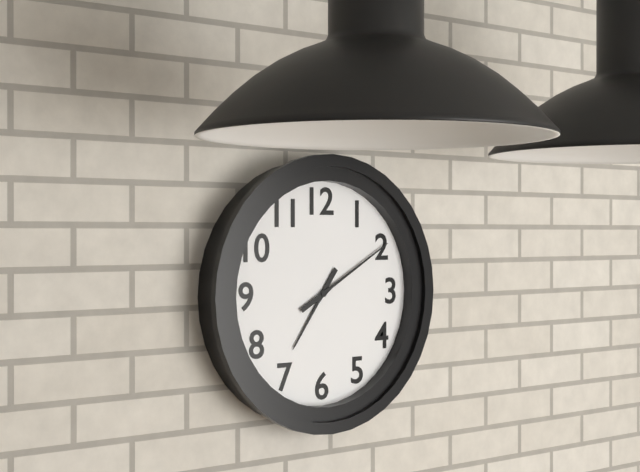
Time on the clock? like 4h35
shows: 7h10
